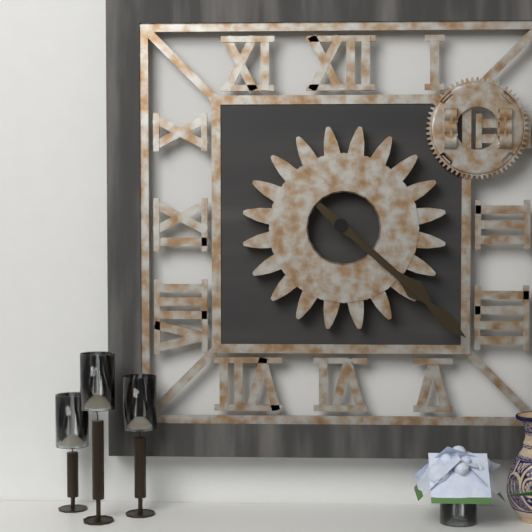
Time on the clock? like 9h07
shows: 4h22
